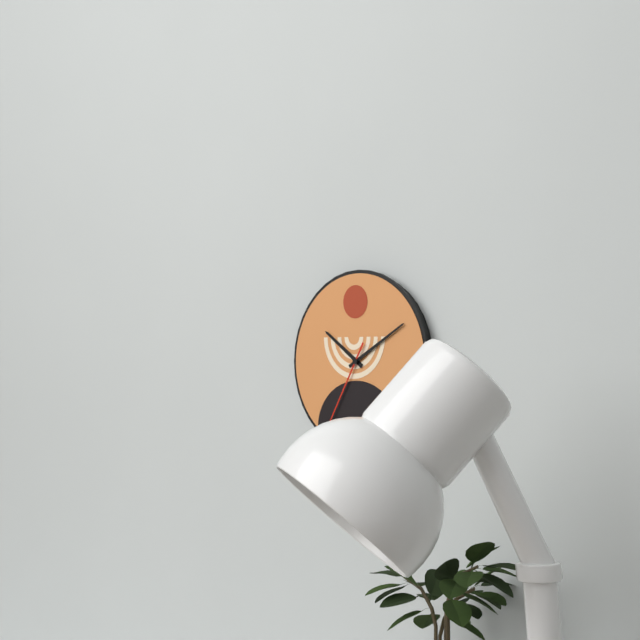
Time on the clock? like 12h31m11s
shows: 10h10m35s
